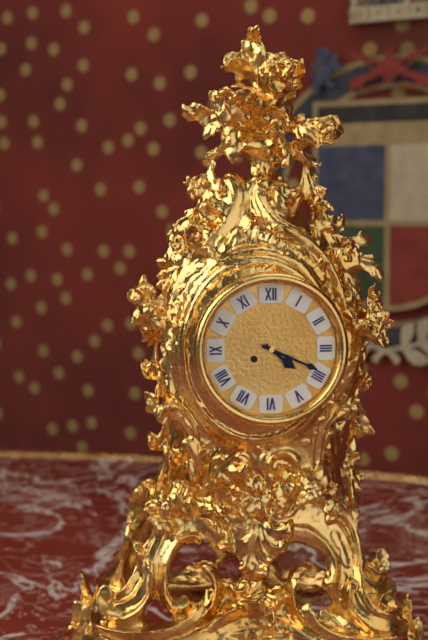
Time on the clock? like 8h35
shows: 4h19
